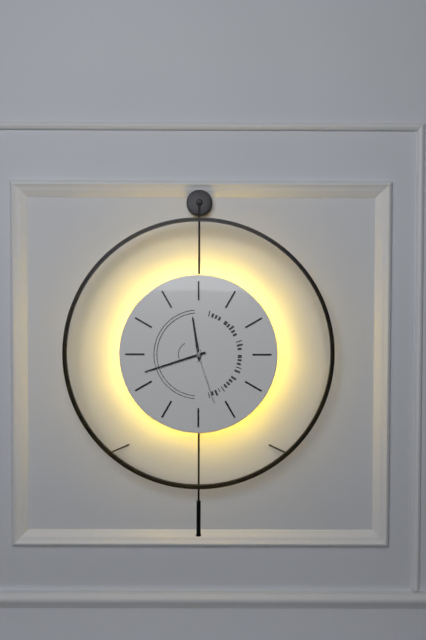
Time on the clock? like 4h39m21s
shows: 11h42m27s
